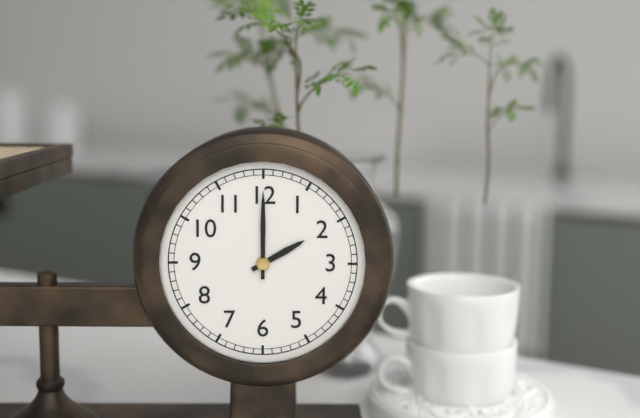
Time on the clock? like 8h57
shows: 2h00
